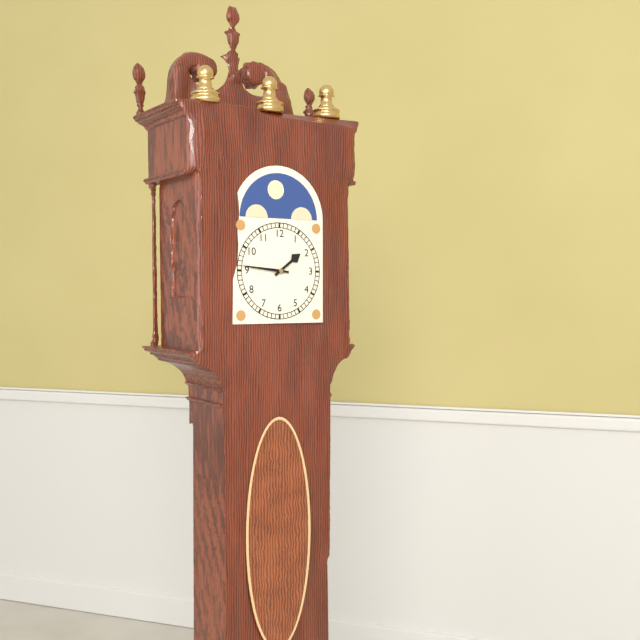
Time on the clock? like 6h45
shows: 1h46
